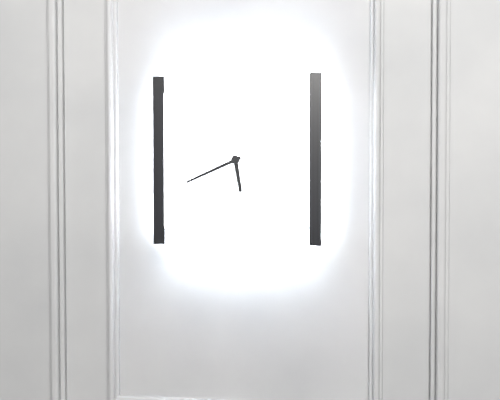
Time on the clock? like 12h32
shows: 5h41
